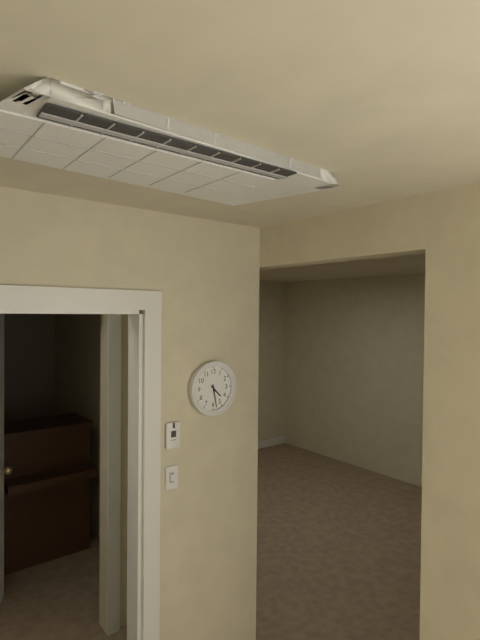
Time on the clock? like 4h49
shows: 4h28
